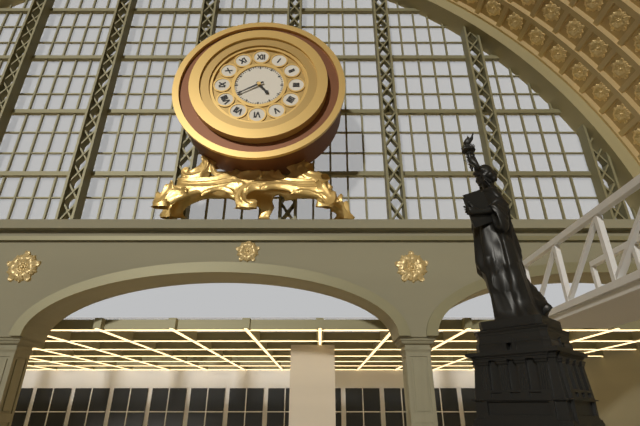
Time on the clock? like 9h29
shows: 4h40
